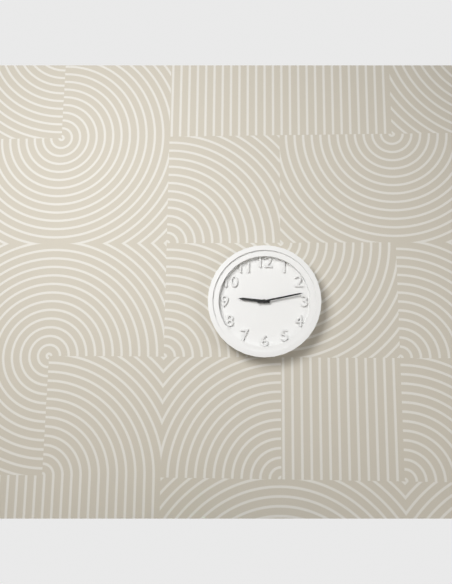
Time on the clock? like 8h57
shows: 9h13
